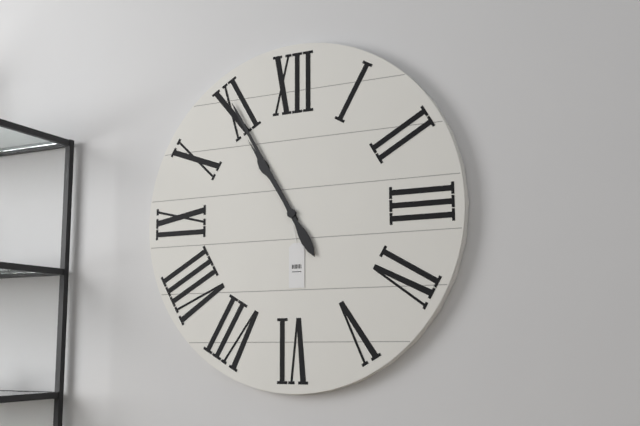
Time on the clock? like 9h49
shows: 10h55
